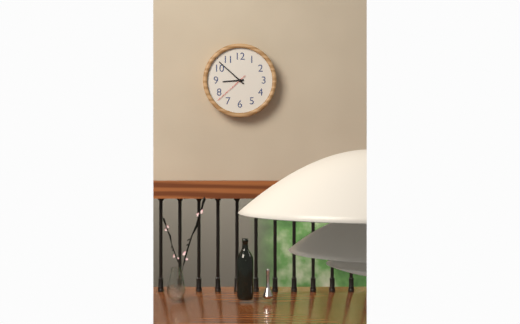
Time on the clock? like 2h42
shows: 8h52
